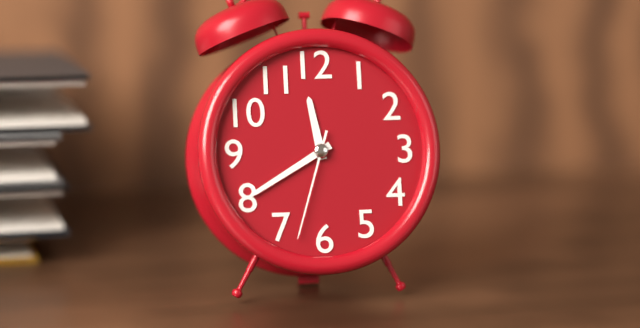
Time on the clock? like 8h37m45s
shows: 11h40m33s
